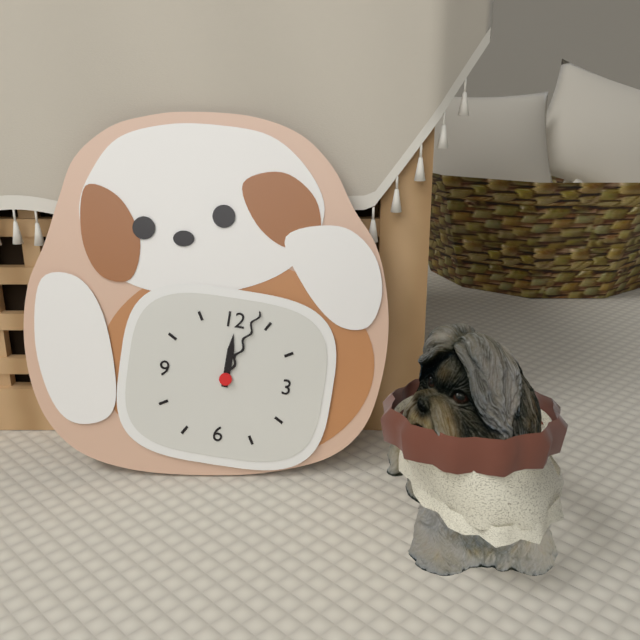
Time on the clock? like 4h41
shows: 12h03
